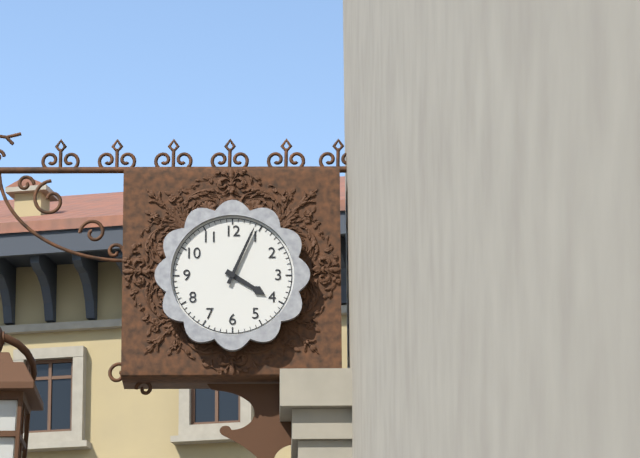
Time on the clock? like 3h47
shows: 4h04
